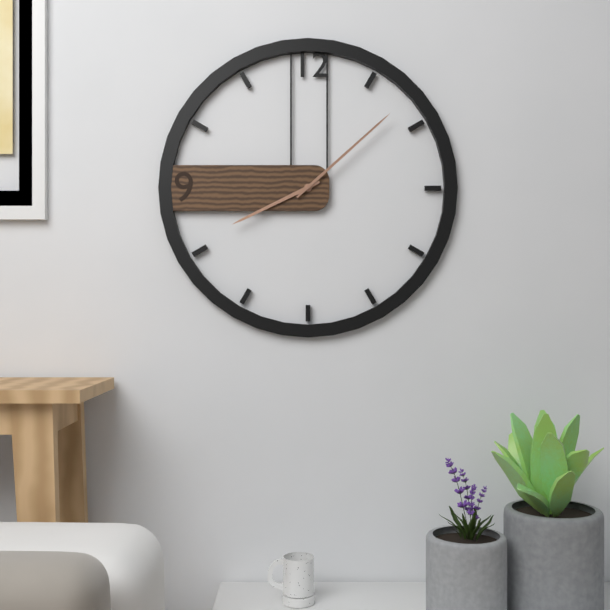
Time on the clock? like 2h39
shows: 8h08
